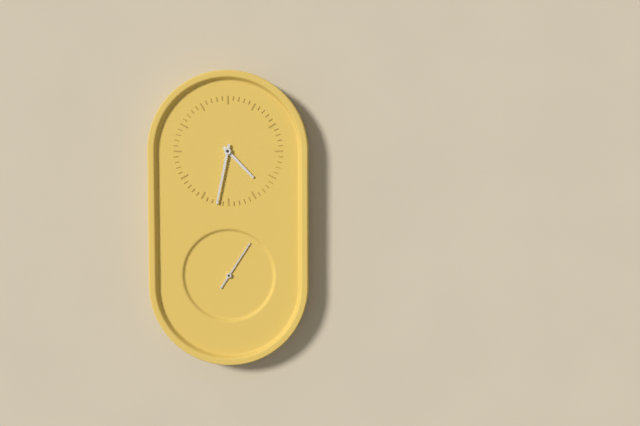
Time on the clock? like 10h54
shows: 4h32
